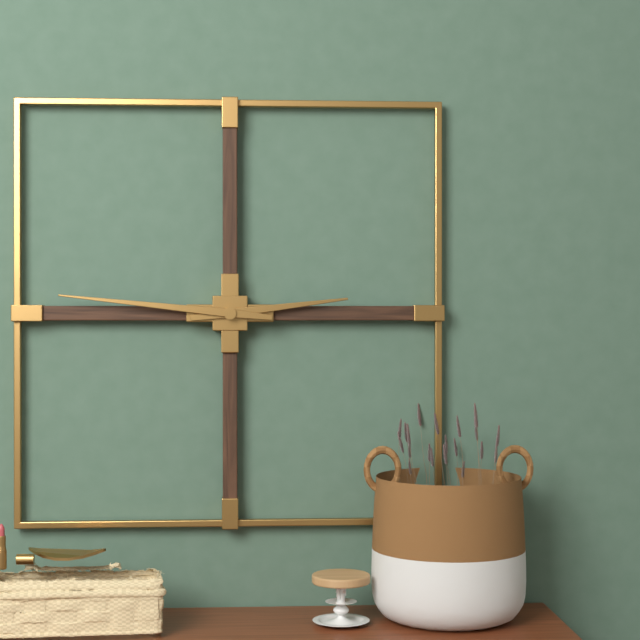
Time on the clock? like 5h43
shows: 2h46
